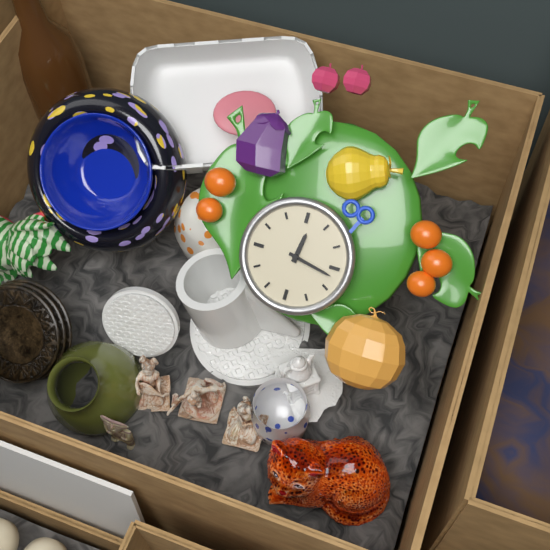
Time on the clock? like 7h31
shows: 12h17
